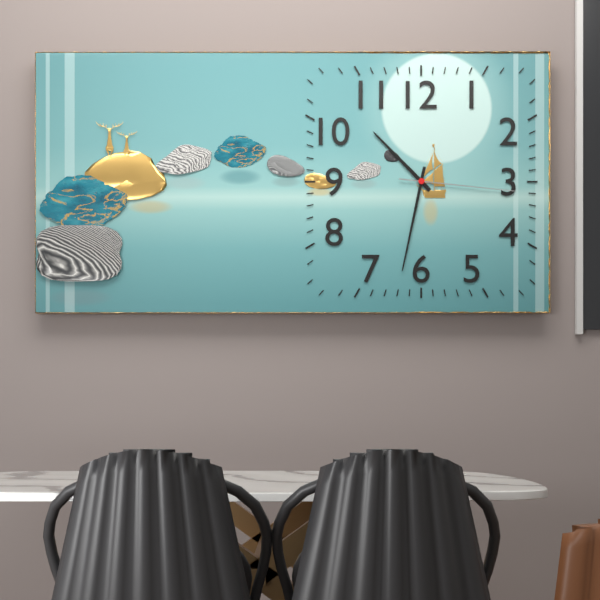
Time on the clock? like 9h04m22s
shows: 10h32m16s
